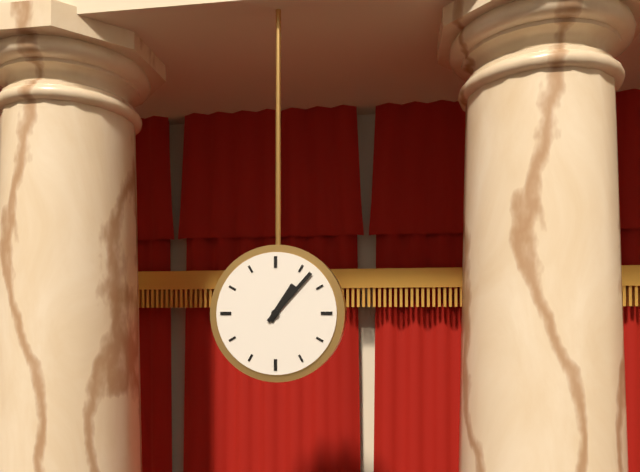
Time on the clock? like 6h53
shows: 1h07
